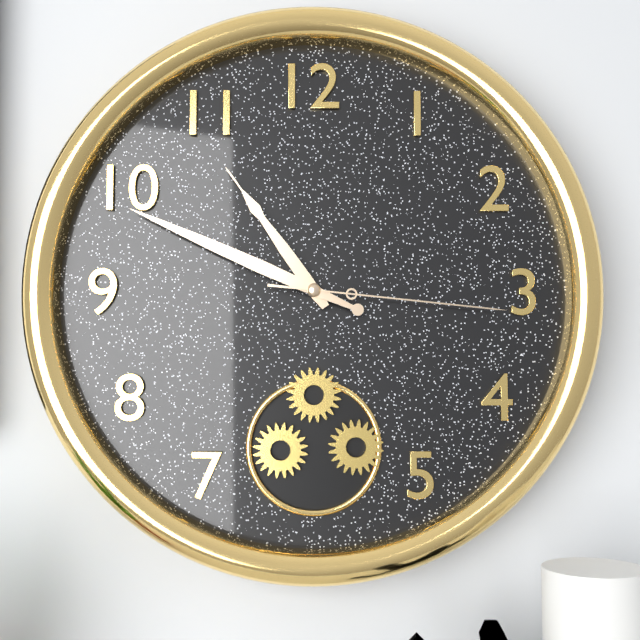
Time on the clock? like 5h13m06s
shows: 10h49m16s
